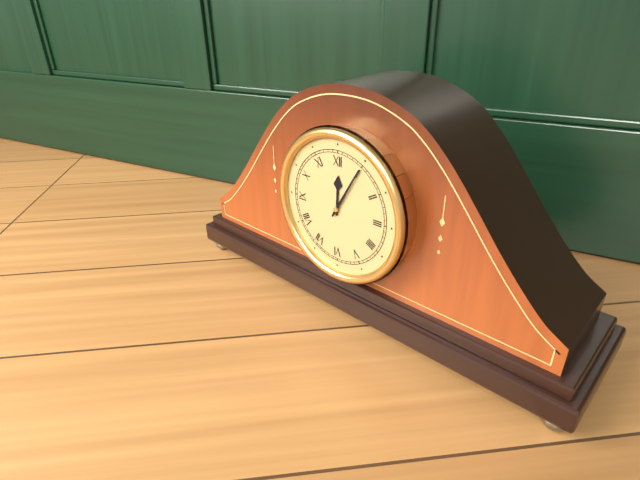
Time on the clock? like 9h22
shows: 12h05
